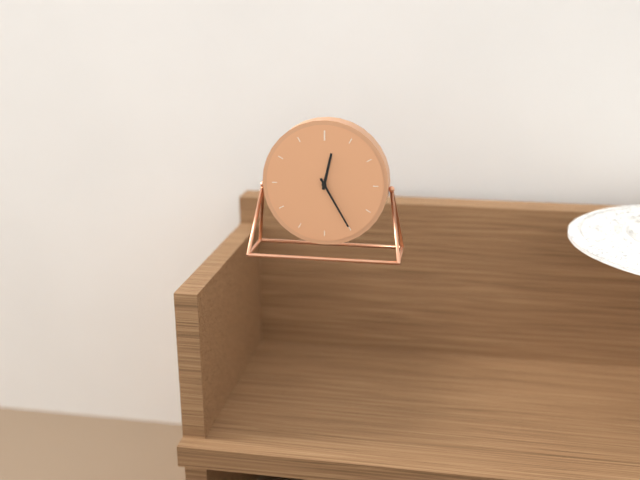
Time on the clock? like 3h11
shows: 12h25
